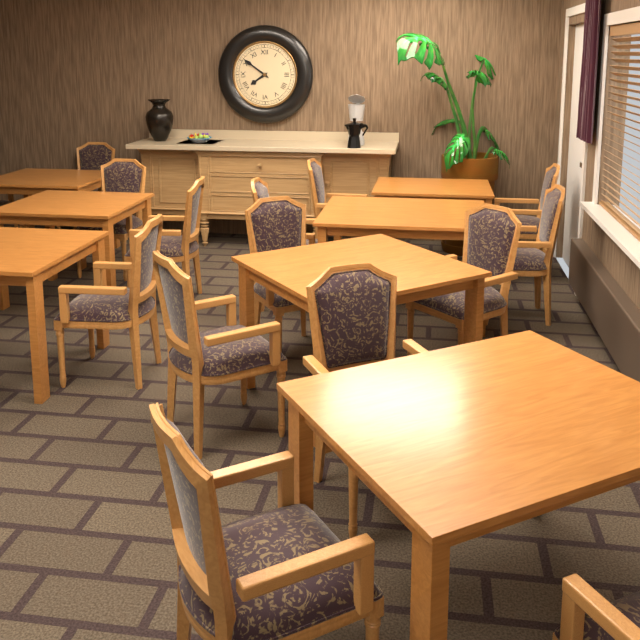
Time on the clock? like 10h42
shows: 7h51
